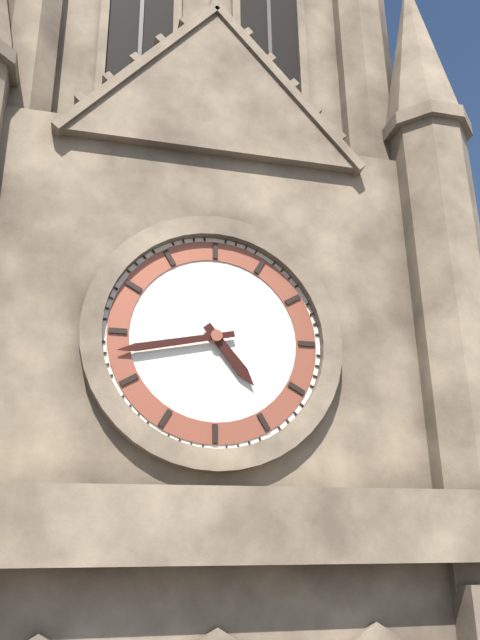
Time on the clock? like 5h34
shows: 4h43
